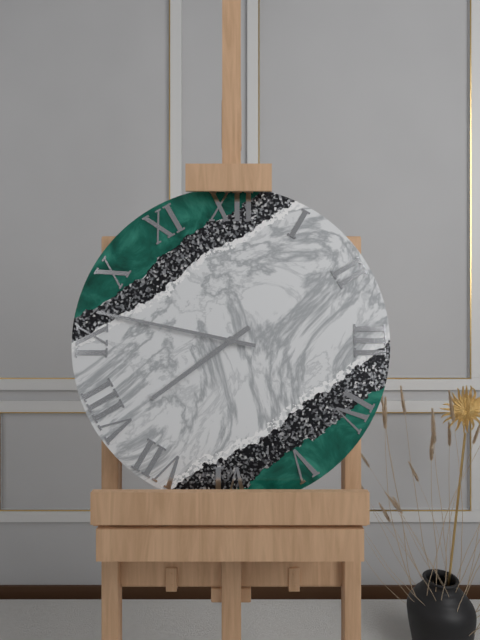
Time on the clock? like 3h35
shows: 7h47
